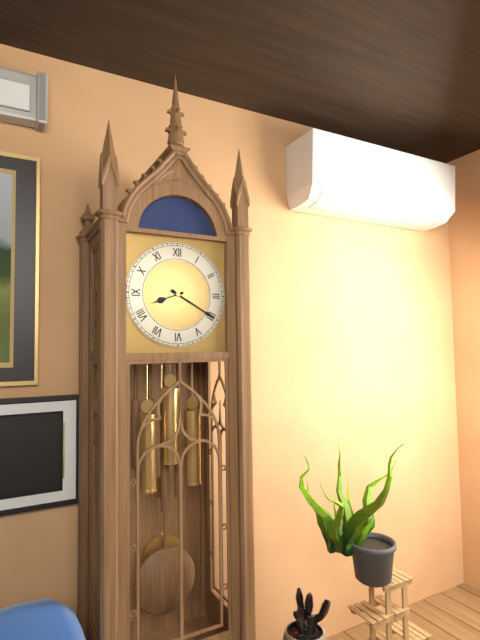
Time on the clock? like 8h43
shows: 8h20
